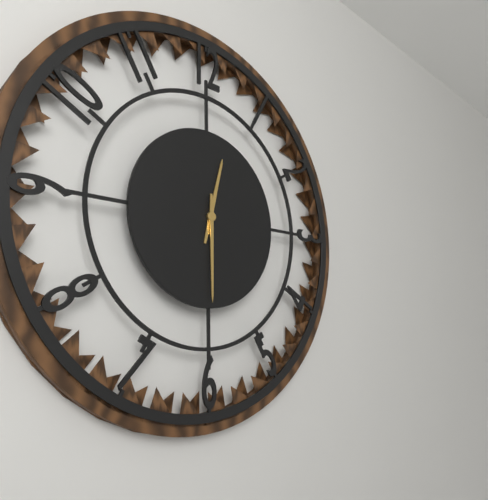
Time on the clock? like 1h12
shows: 12h30
